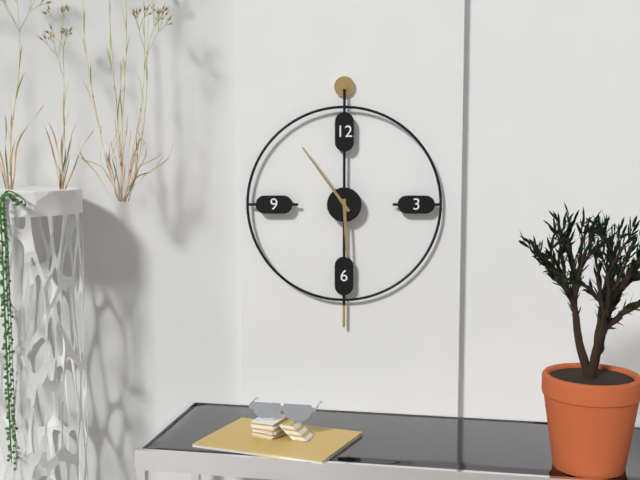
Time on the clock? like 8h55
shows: 5h54
